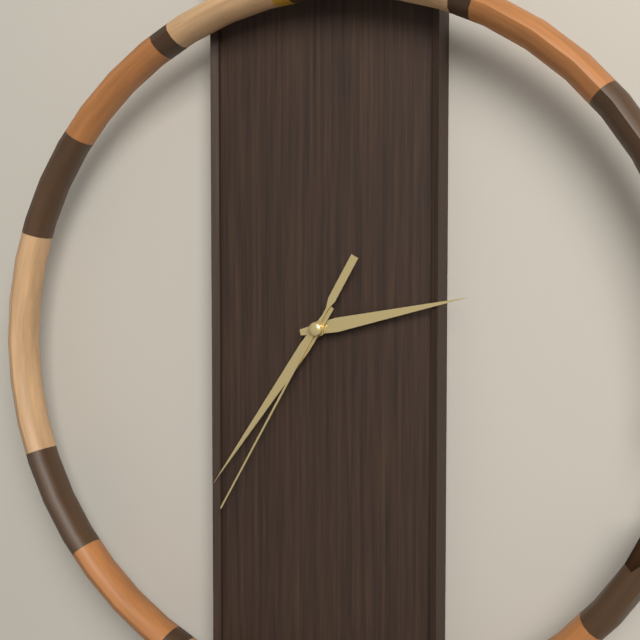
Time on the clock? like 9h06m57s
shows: 2h36m35s
